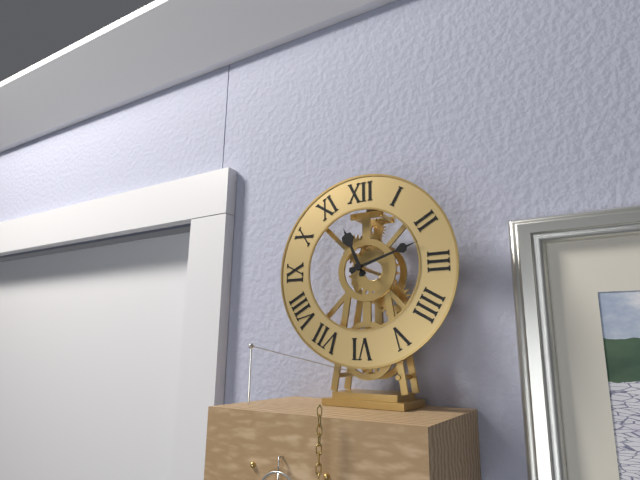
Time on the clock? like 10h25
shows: 11h12
